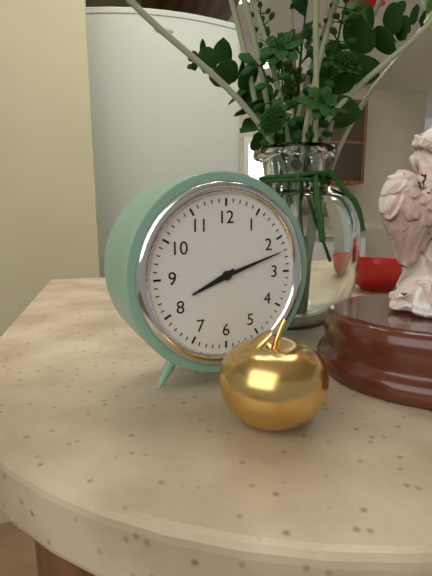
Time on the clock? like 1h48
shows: 8h12
